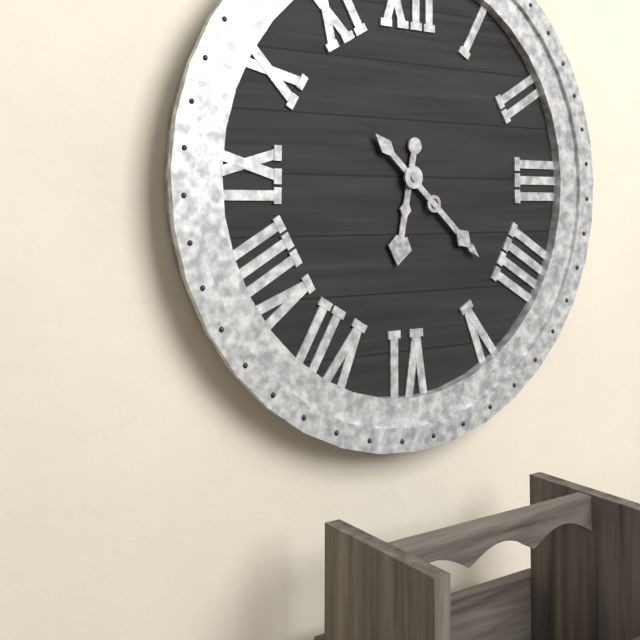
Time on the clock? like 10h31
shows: 6h22
